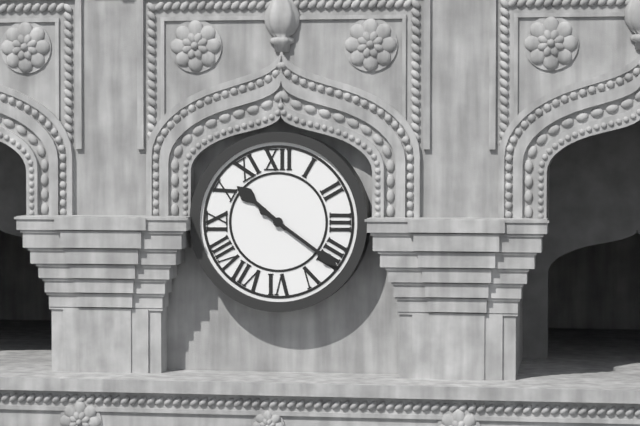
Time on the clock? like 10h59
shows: 10h21
